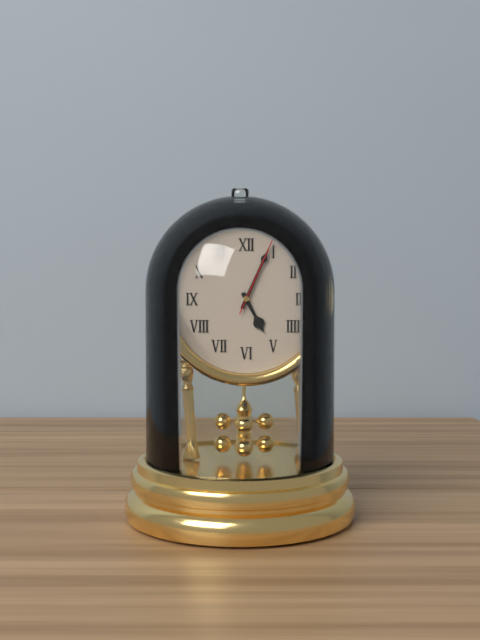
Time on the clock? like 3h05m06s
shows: 5h04m04s
